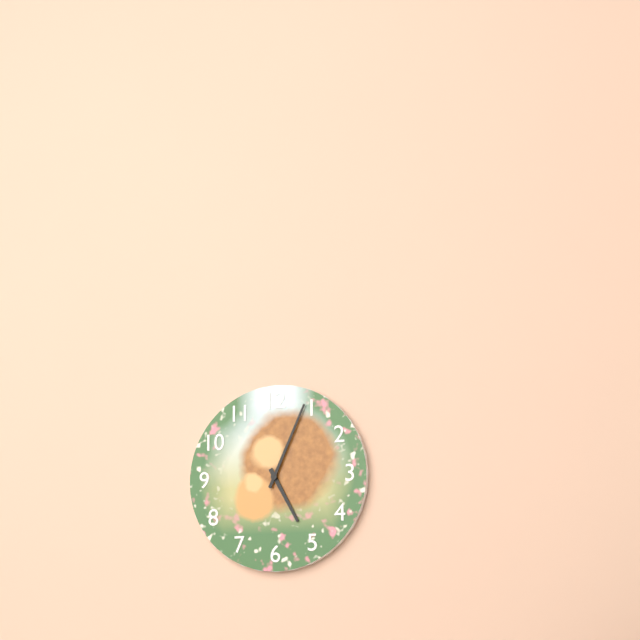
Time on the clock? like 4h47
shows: 5h04
